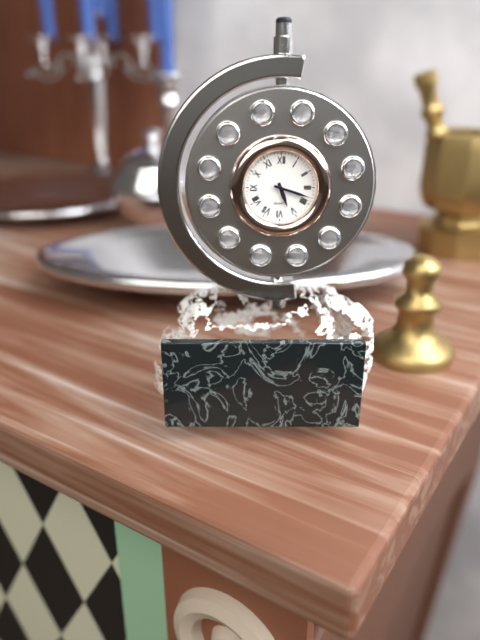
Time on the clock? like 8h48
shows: 5h18
